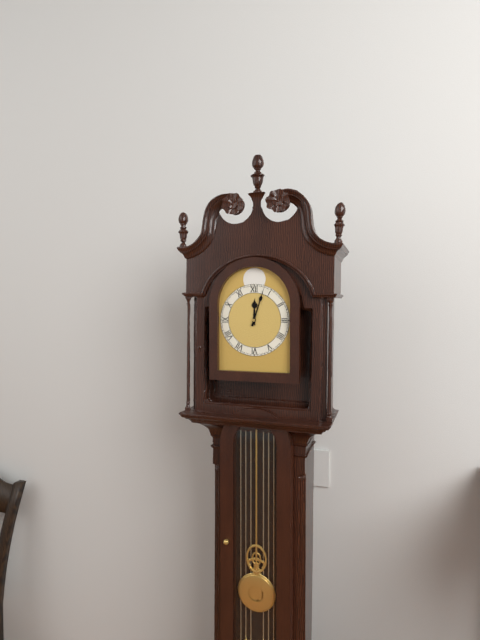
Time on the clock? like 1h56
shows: 12h03
